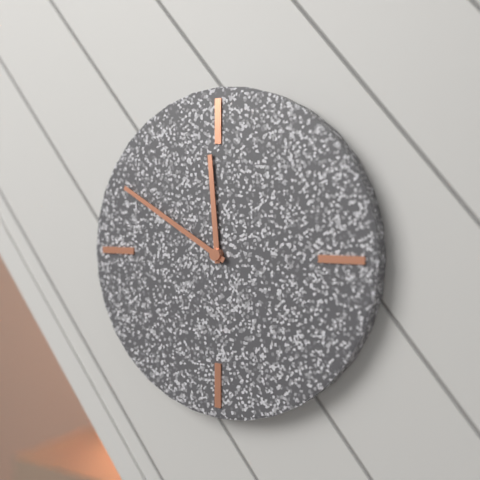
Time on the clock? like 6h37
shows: 11h50
